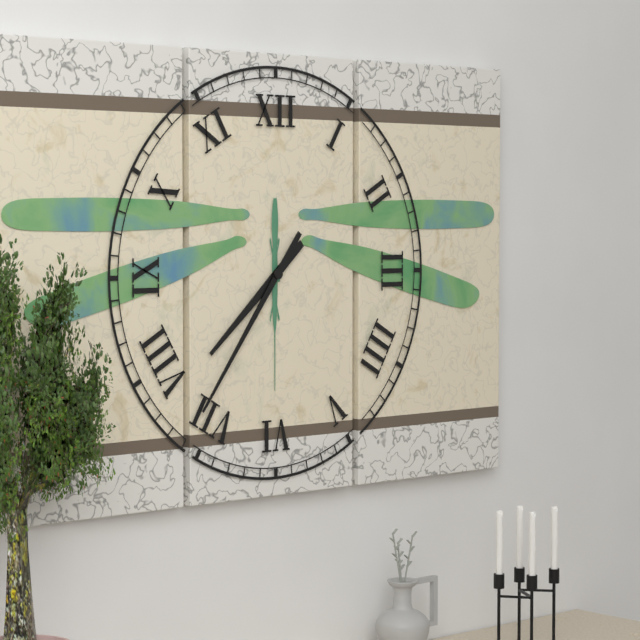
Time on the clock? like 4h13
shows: 7h36
